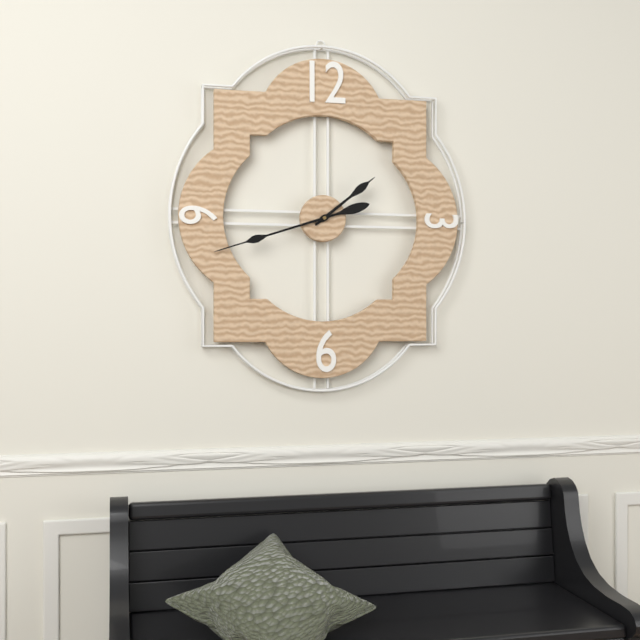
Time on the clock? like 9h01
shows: 1h42
